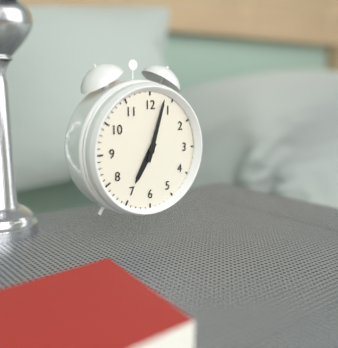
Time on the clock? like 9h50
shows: 7h03
